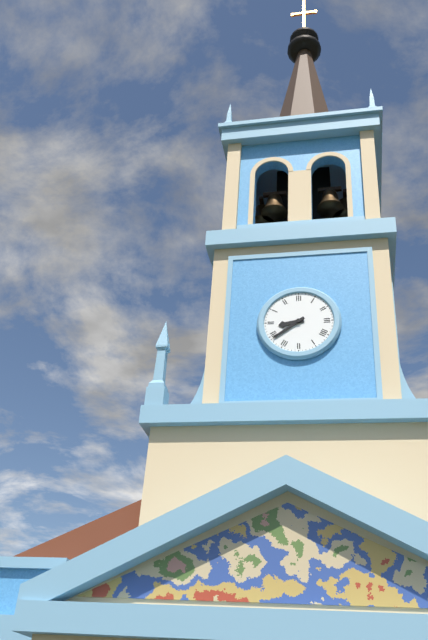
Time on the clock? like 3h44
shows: 8h39
